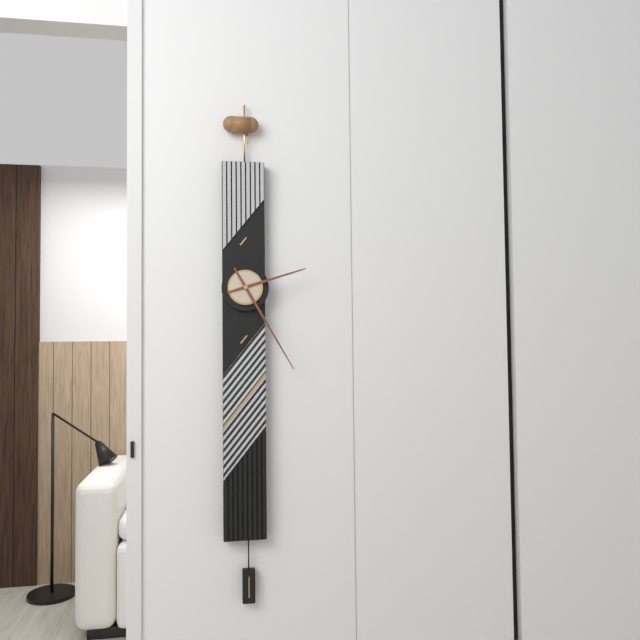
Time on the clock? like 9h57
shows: 2h25
